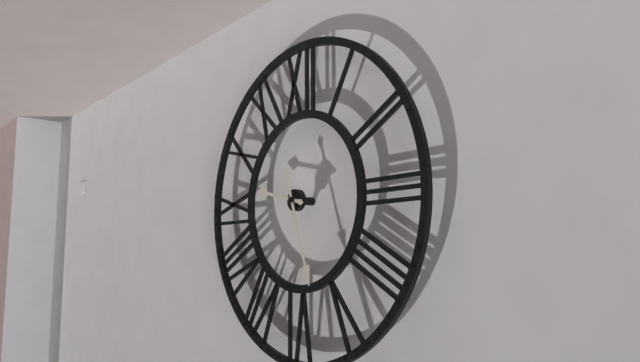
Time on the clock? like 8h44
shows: 9h27
